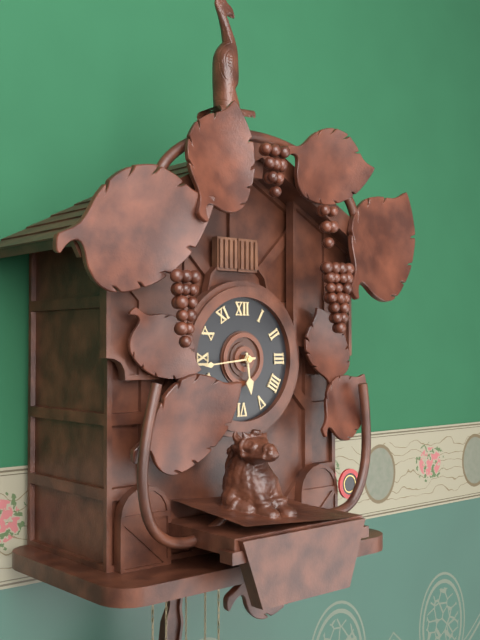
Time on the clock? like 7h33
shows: 5h44
